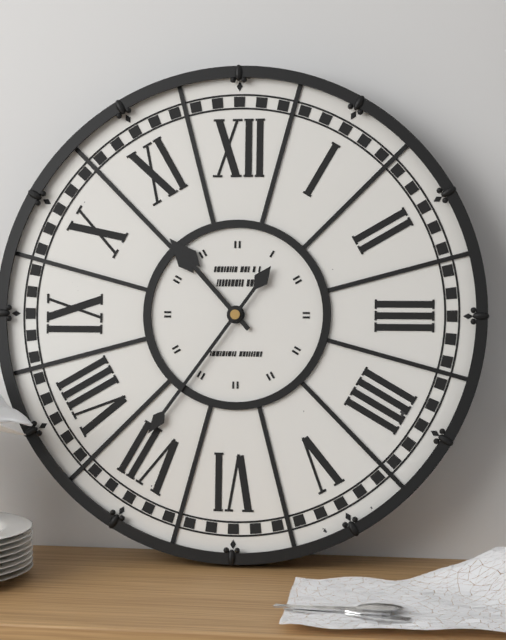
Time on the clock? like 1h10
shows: 10h36
